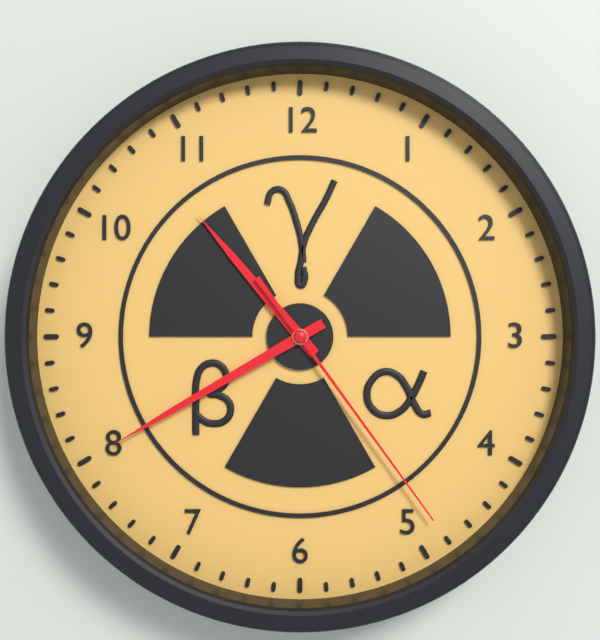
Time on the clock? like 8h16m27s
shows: 10h40m24s
